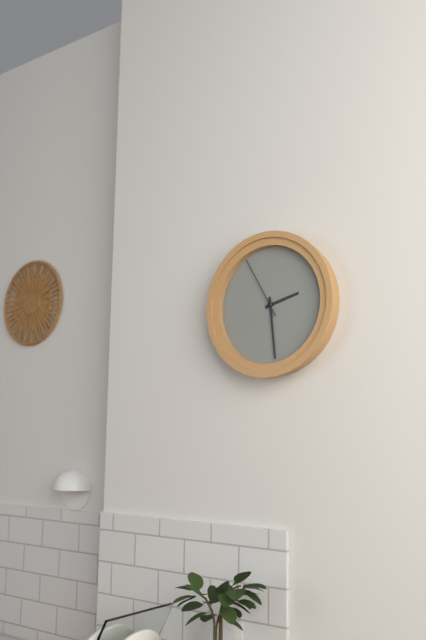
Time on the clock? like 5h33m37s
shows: 2h29m55s
